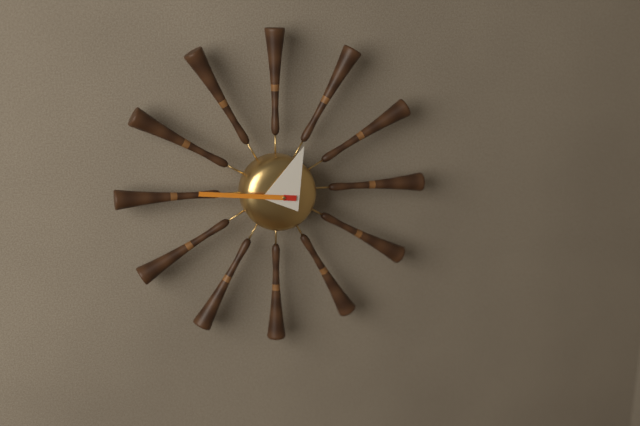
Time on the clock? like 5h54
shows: 12h46
